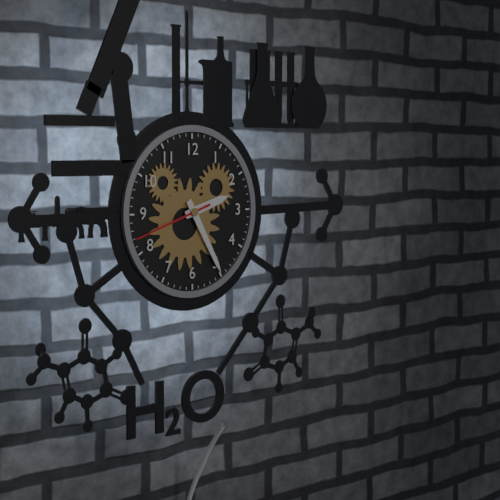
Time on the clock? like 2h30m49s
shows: 2h25m42s
